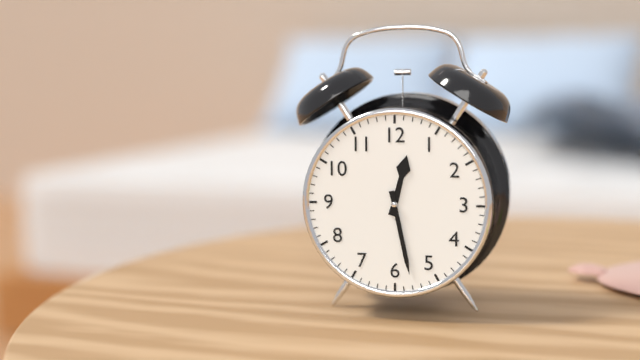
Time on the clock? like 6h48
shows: 12h28
